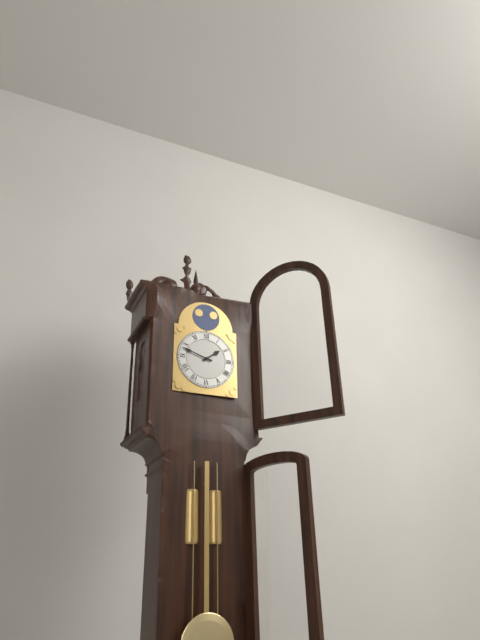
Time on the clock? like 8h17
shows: 1h48
